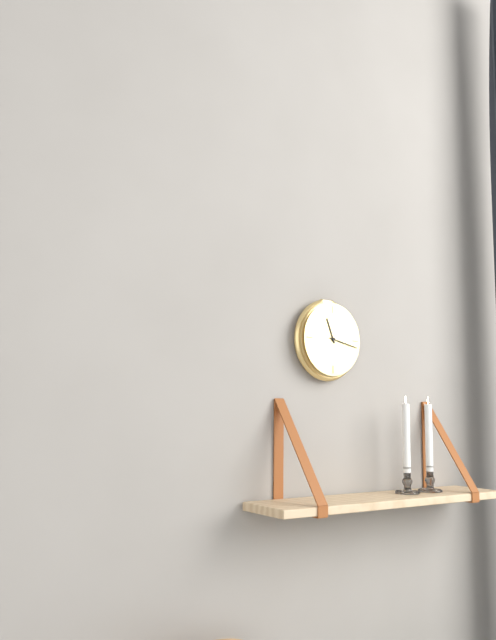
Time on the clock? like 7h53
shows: 11h17
